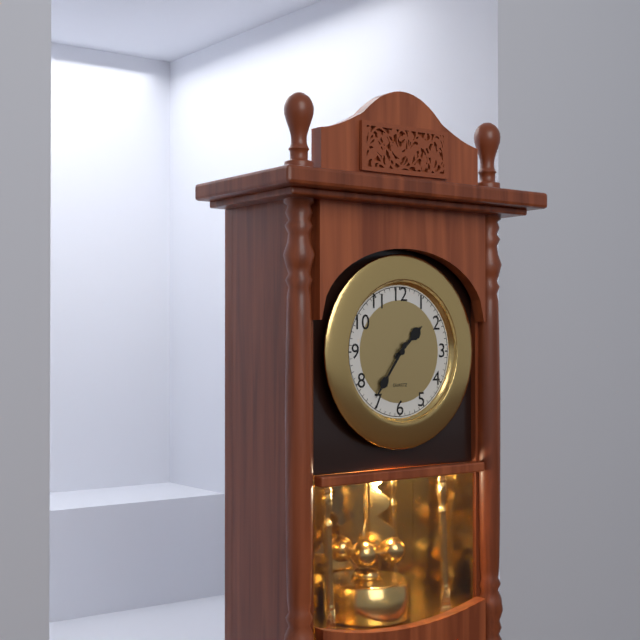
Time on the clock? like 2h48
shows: 1h36
